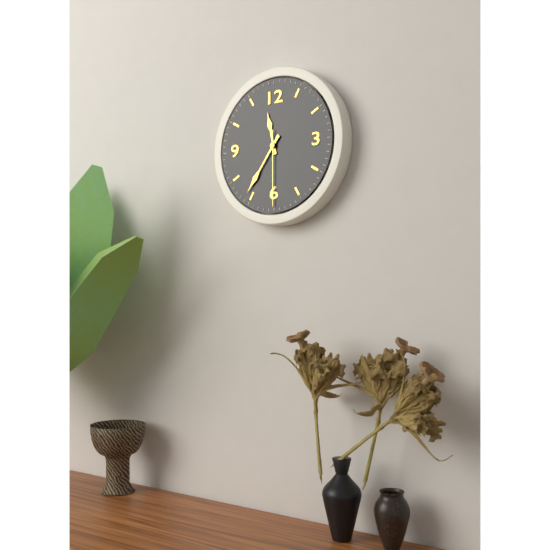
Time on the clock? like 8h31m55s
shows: 11h36m30s
